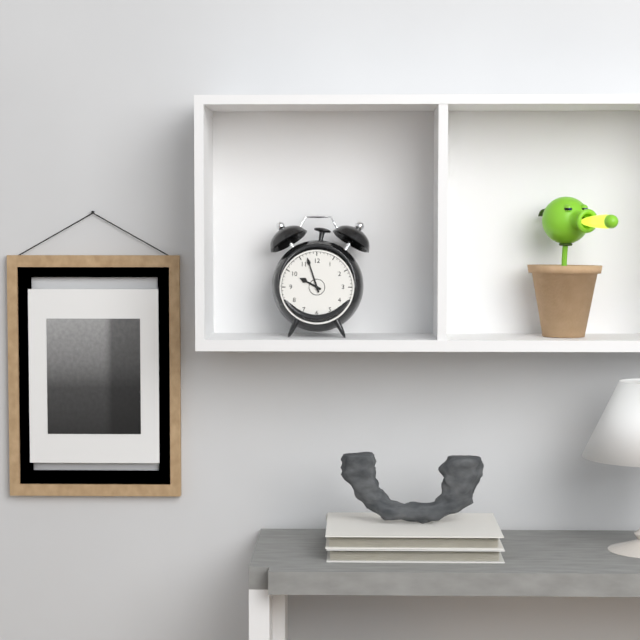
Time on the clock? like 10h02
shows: 9h57
